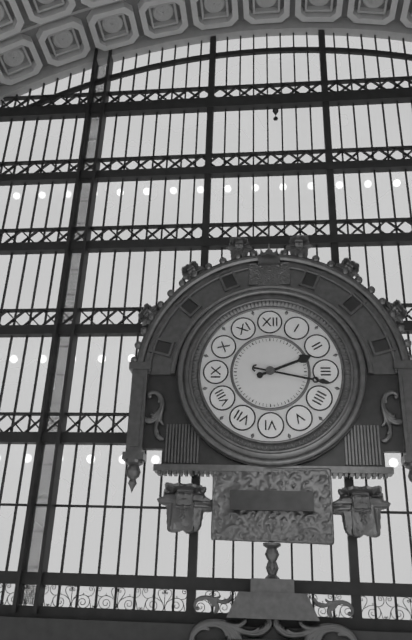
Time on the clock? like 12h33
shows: 2h17
